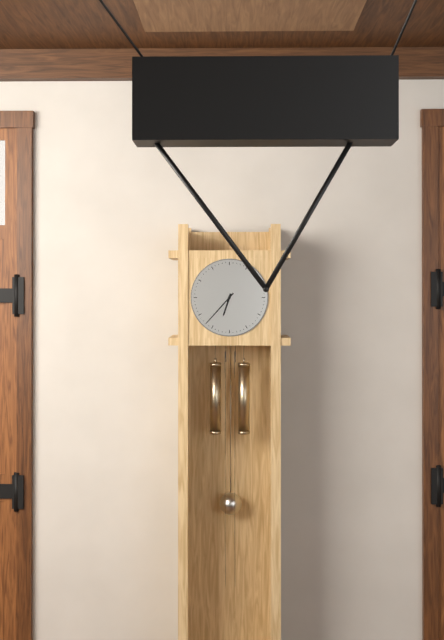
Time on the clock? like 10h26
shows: 6h37
